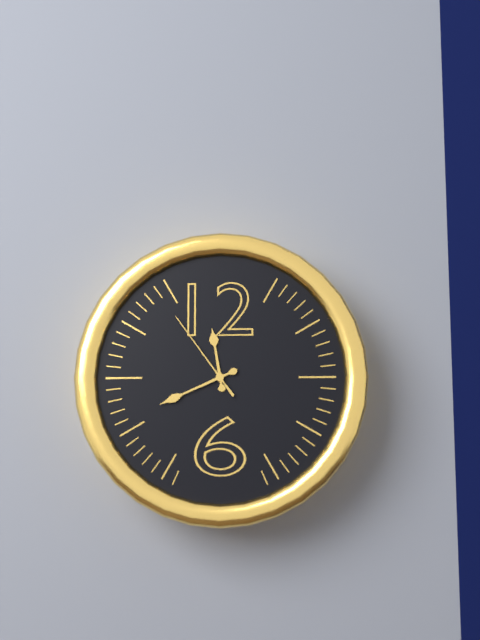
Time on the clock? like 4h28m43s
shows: 11h41m54s
